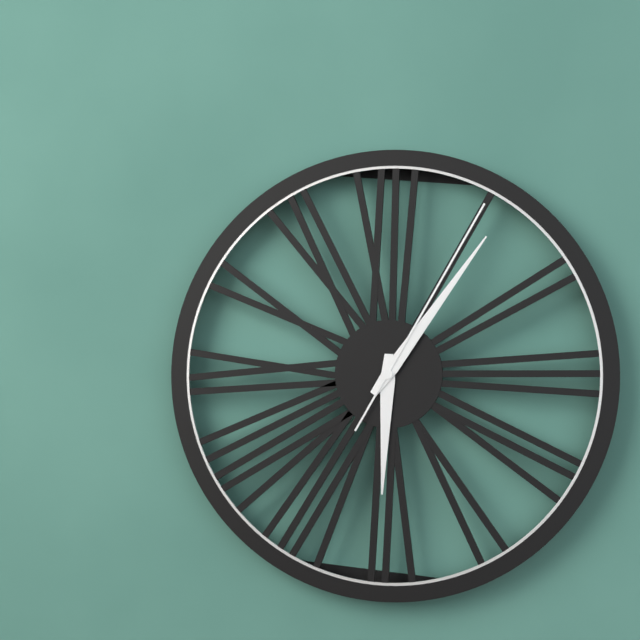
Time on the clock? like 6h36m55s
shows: 6h06m05s
